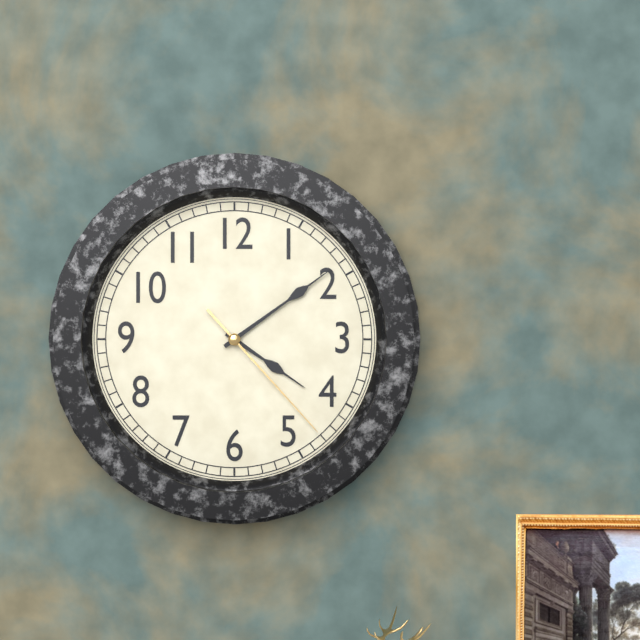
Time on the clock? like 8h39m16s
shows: 4h09m23s
